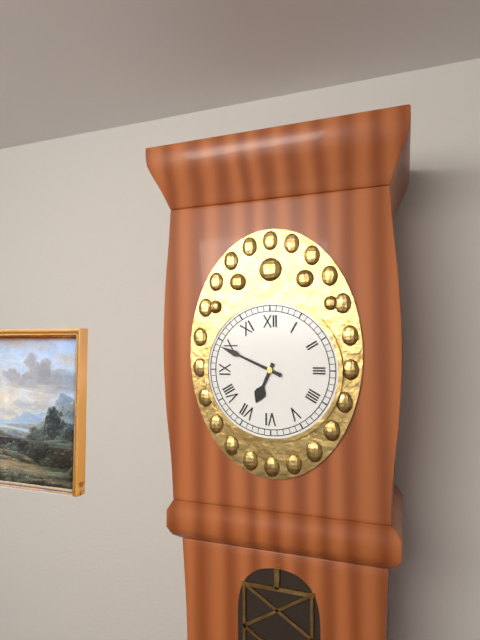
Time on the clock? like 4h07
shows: 6h49
